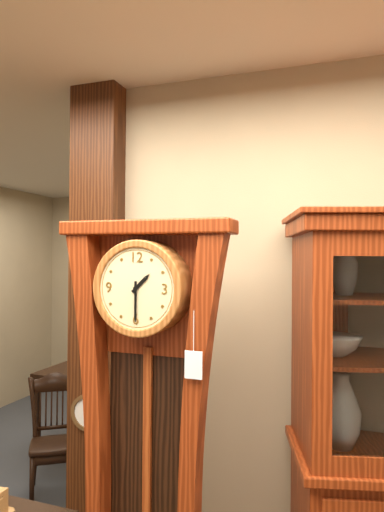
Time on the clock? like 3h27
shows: 1h30
